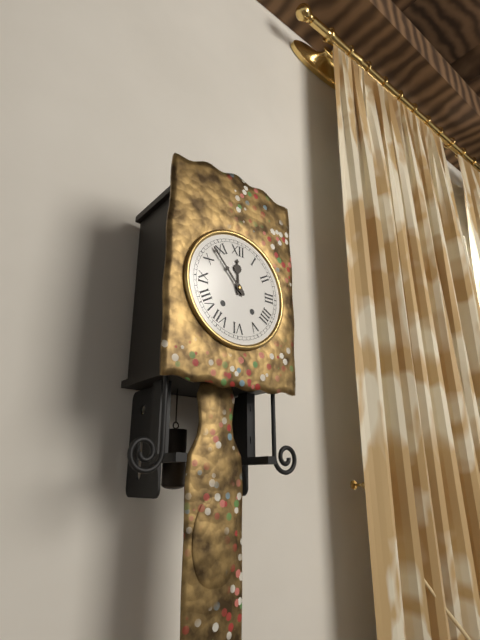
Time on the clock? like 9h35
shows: 11h53
